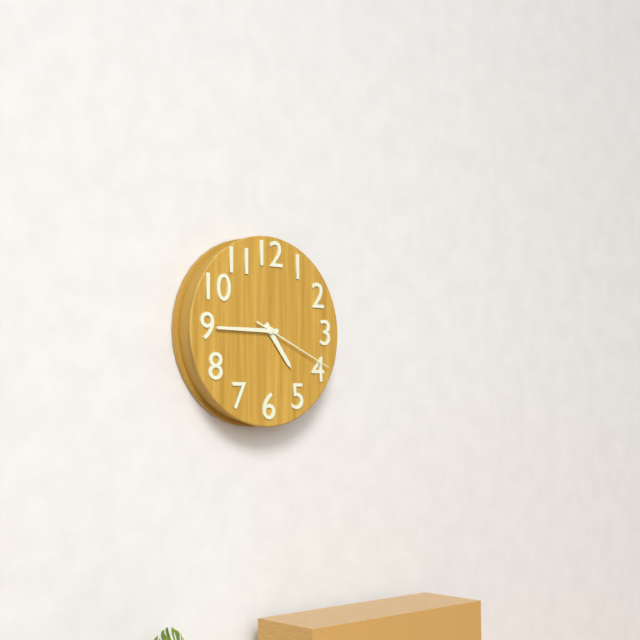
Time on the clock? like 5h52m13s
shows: 4h45m19s
